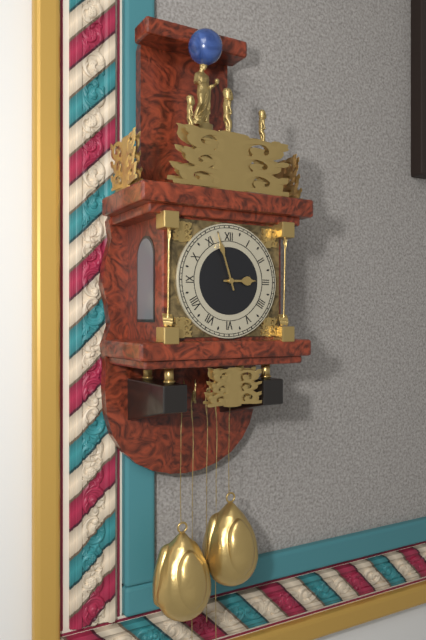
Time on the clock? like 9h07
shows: 2h57
